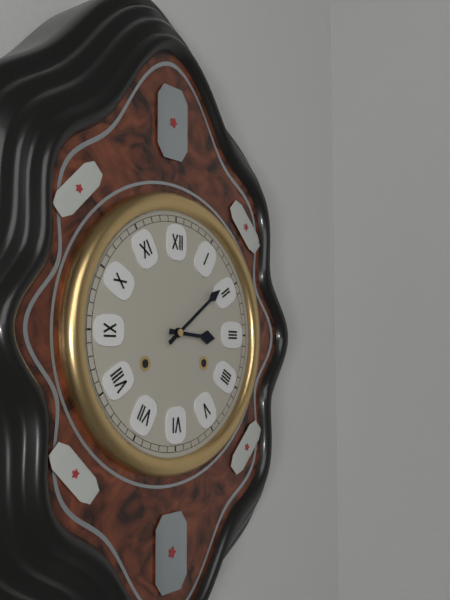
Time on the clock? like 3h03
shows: 3h09
